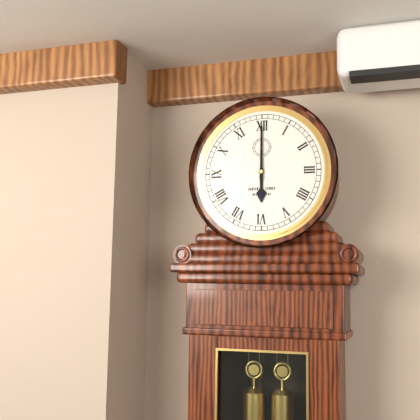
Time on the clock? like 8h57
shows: 6h00
